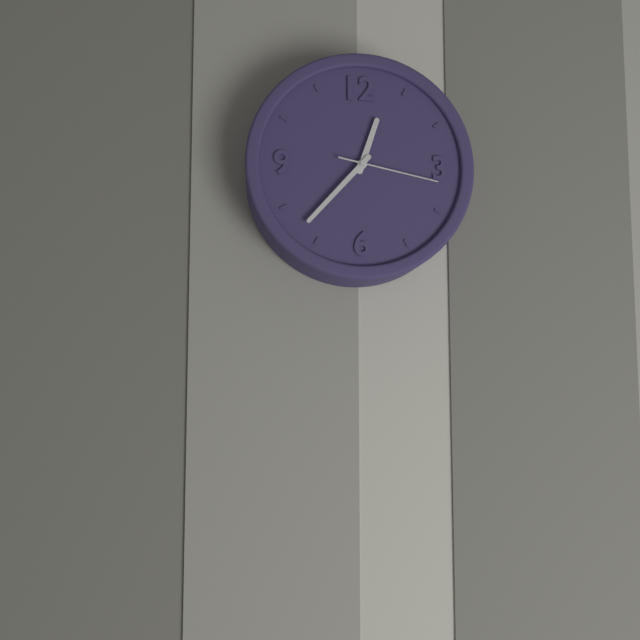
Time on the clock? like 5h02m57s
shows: 12h37m17s
